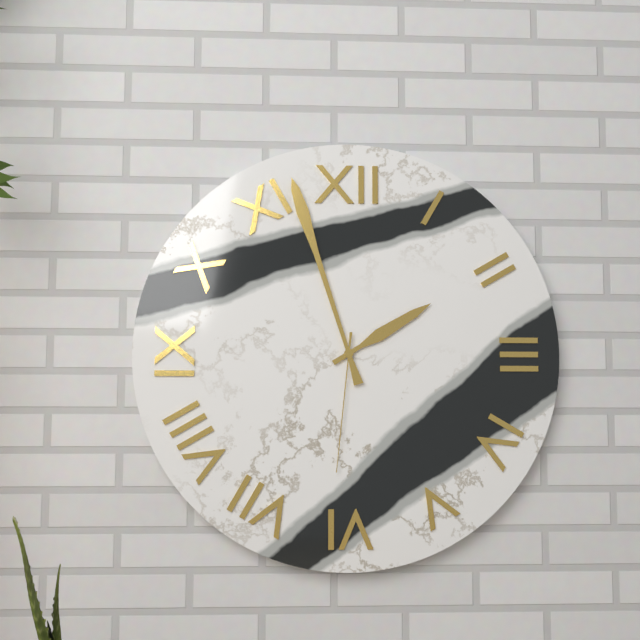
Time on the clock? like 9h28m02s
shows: 1h57m31s
